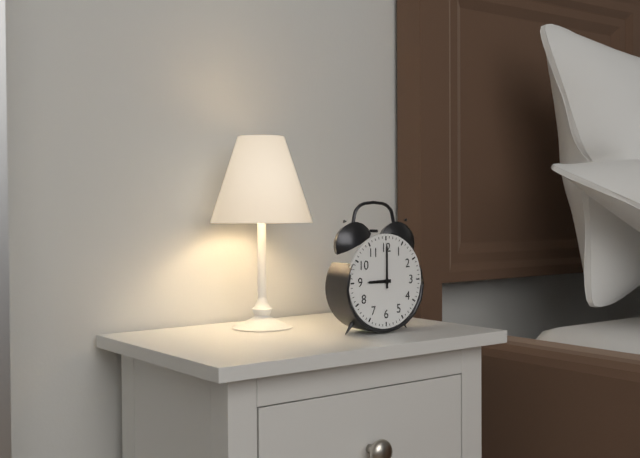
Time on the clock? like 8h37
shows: 9h00
